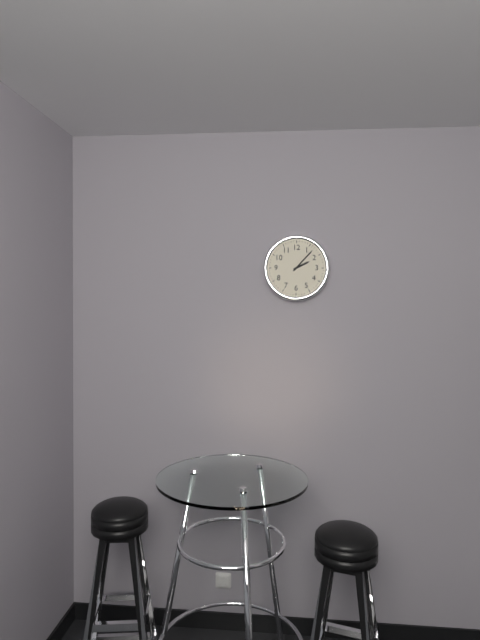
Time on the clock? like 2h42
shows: 2h07
